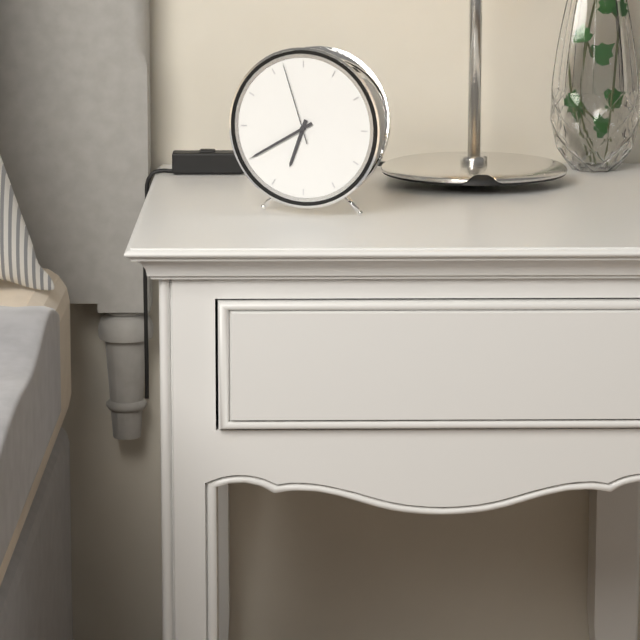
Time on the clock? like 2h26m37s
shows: 6h40m57s
